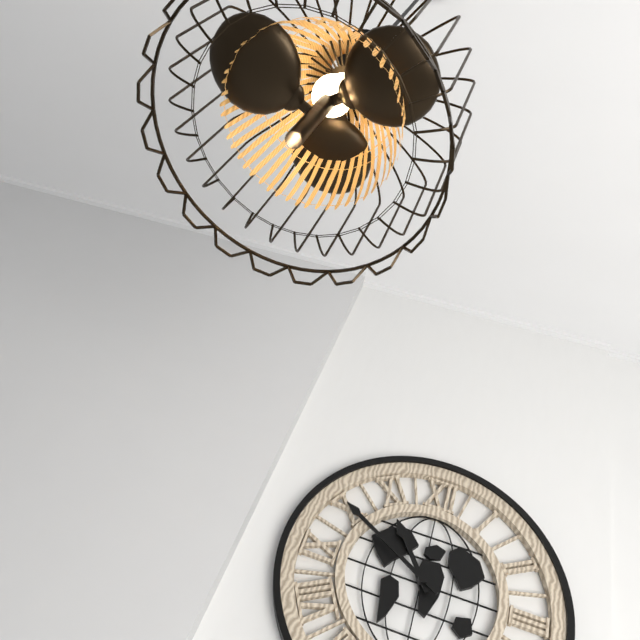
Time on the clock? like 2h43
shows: 10h50
